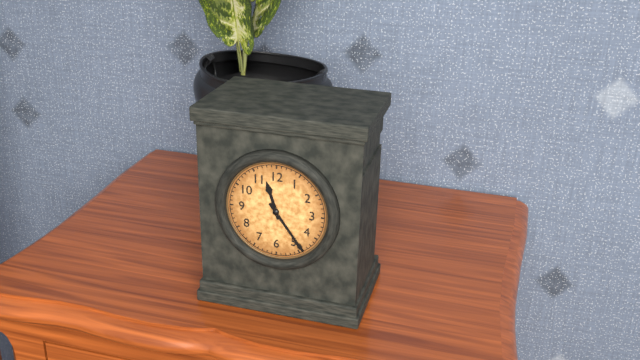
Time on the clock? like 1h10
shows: 11h24
